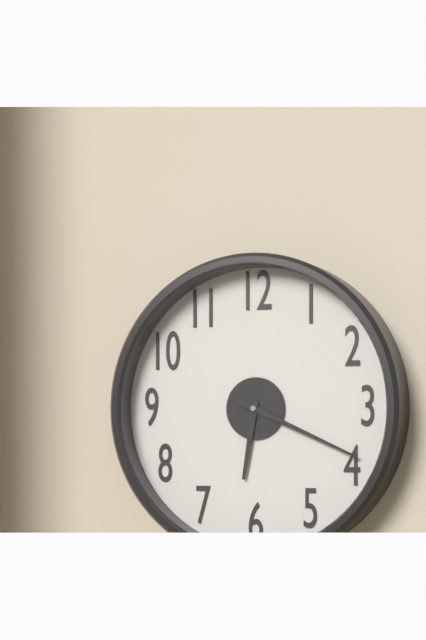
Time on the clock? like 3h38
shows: 6h19
